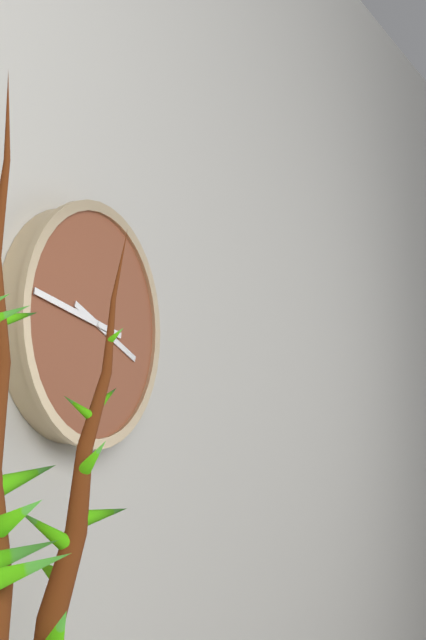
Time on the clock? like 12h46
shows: 3h47
